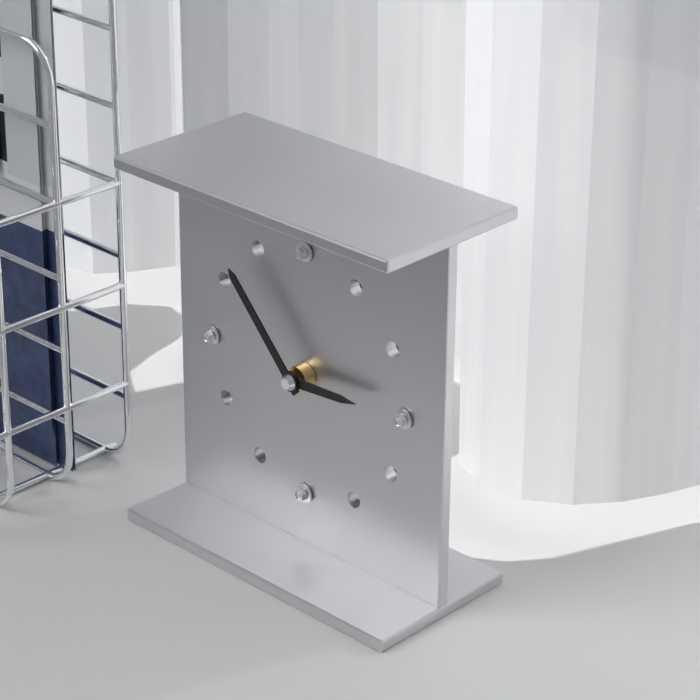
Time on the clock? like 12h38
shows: 2h53
